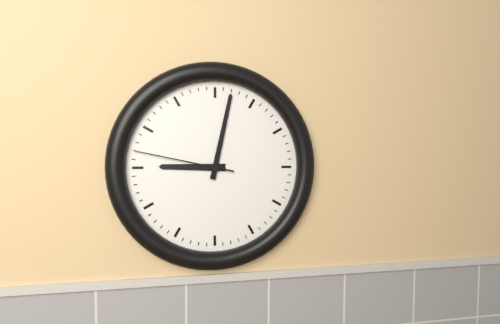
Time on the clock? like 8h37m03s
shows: 9h02m47s
